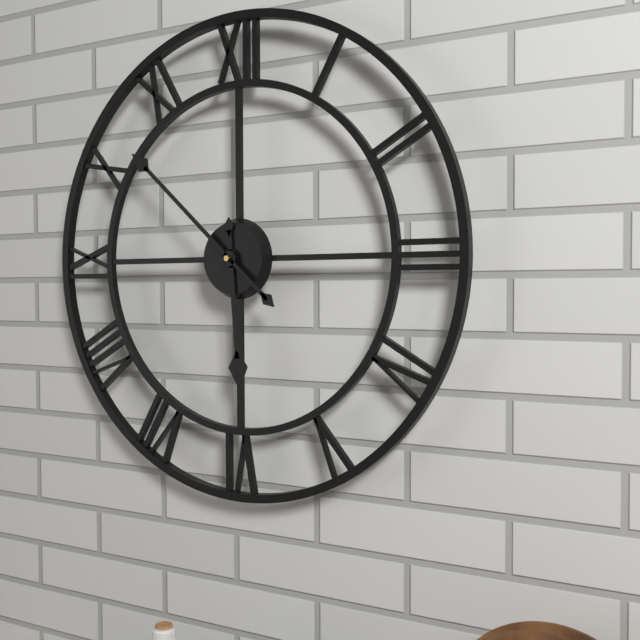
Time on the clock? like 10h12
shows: 5h52
